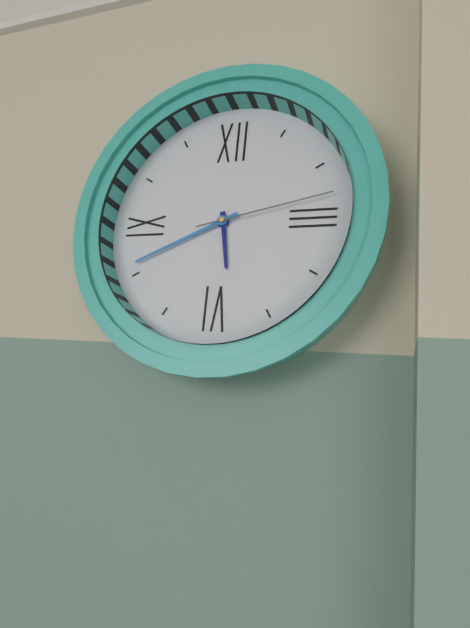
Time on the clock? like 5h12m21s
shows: 5h41m13s
